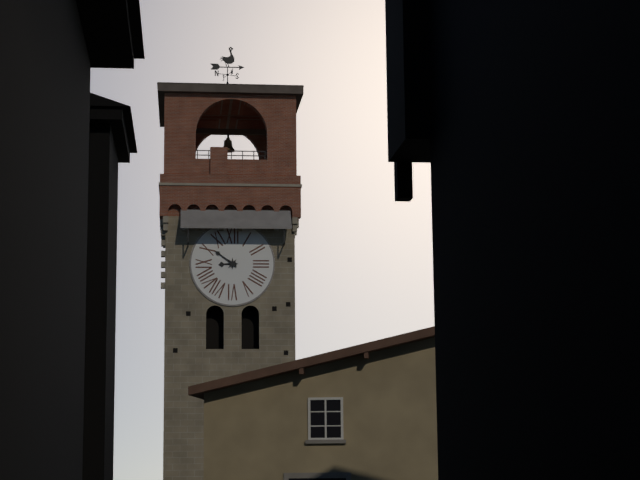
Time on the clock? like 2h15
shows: 8h51
